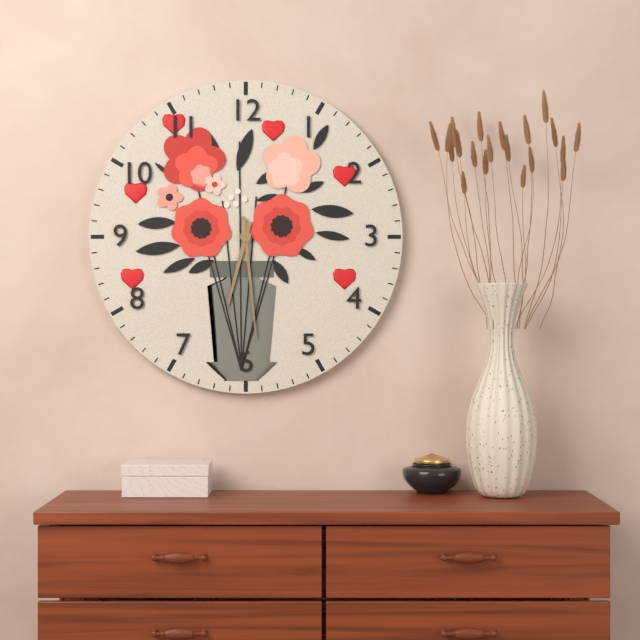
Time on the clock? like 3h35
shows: 6h29
